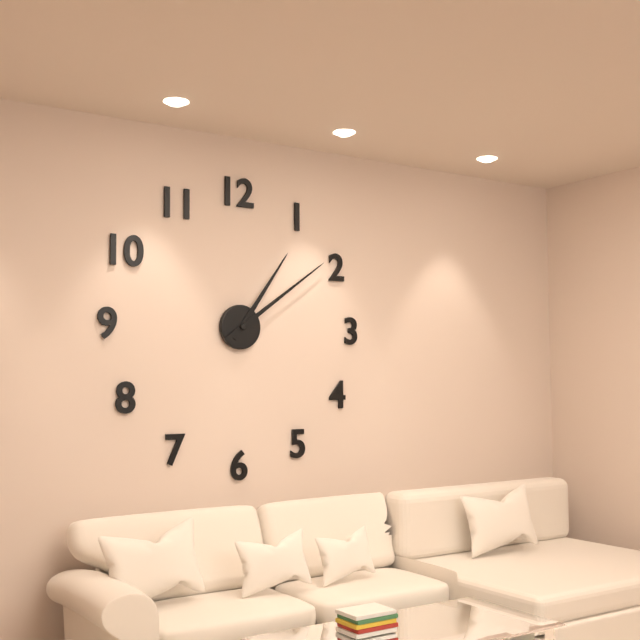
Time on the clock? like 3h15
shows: 1h09
